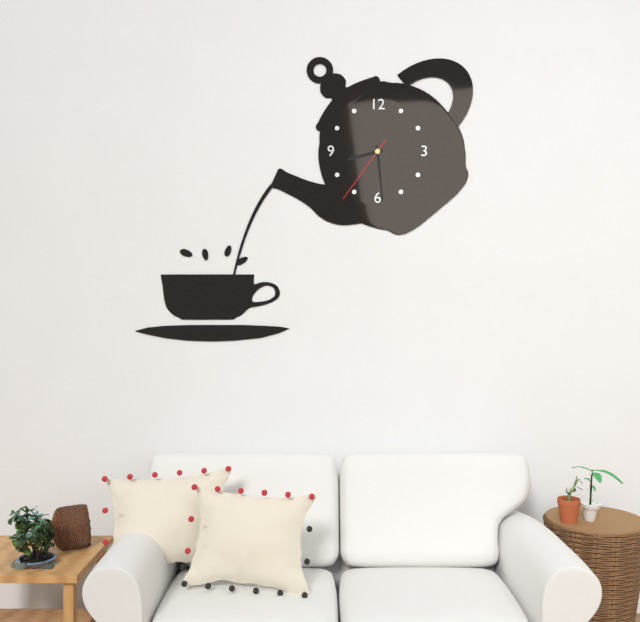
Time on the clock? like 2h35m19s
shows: 8h29m36s
